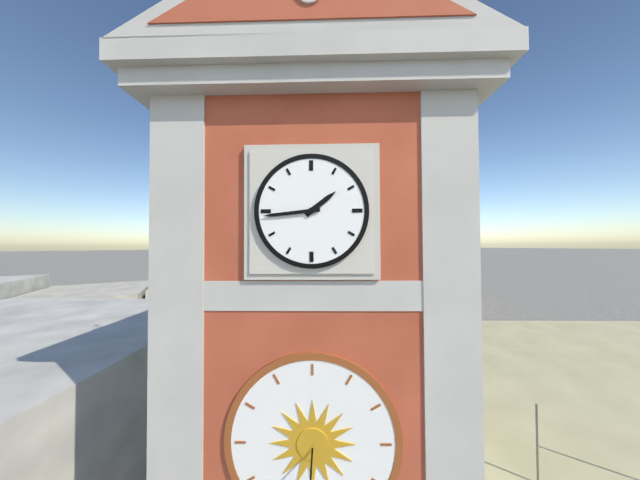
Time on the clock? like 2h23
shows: 1h44
